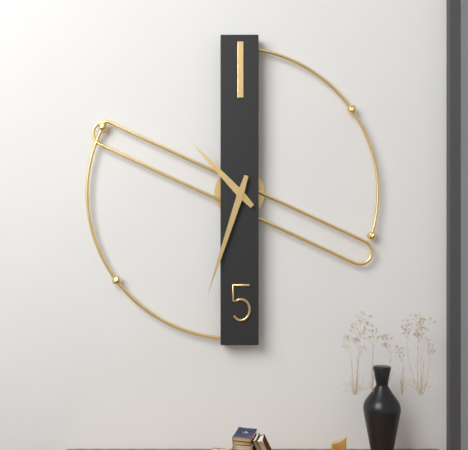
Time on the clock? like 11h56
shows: 10h33
